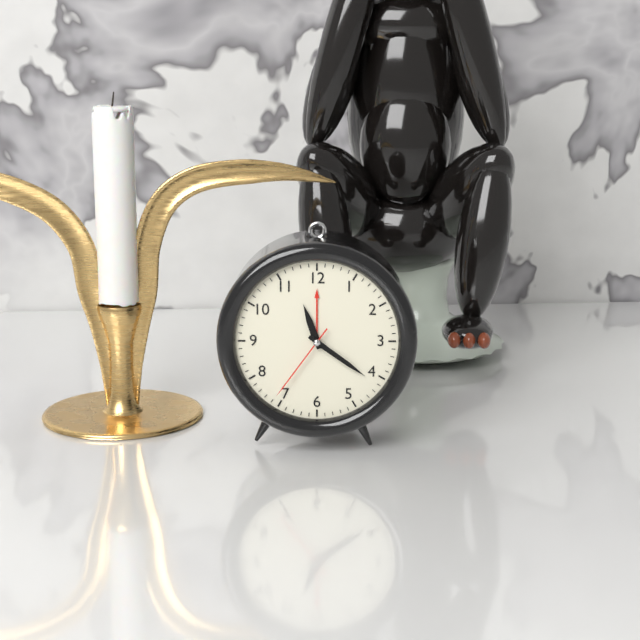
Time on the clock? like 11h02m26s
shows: 11h21m36s
